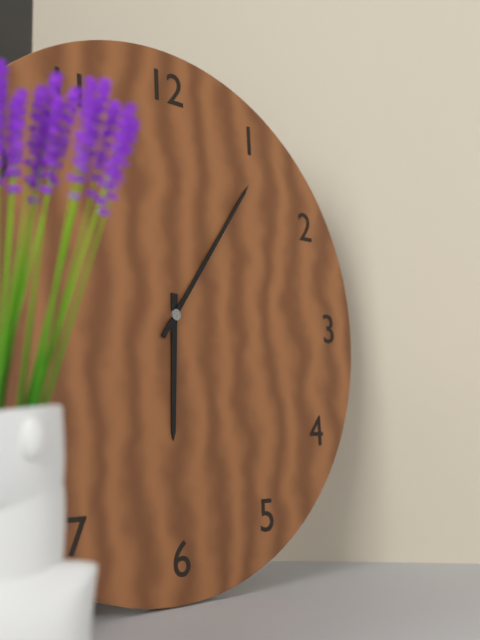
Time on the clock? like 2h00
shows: 6h06
